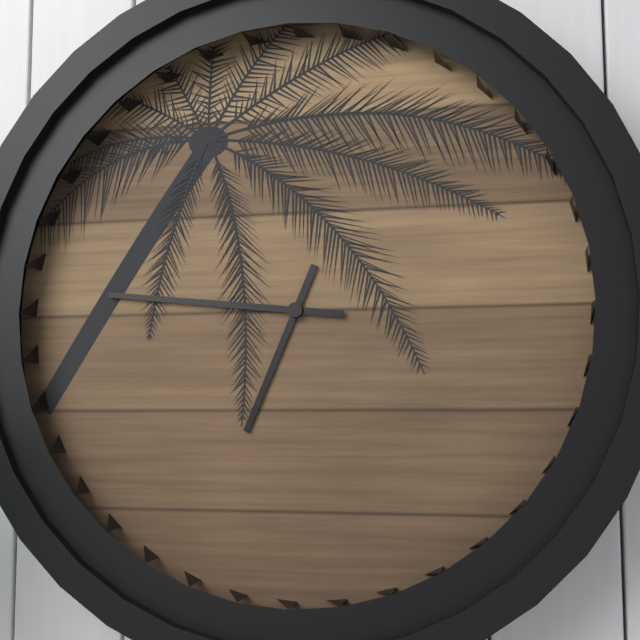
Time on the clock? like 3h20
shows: 6h46
